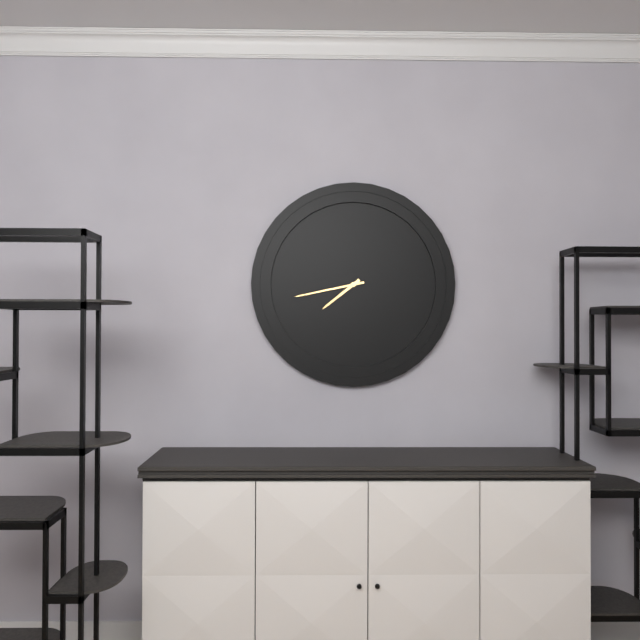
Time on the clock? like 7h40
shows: 7h43
